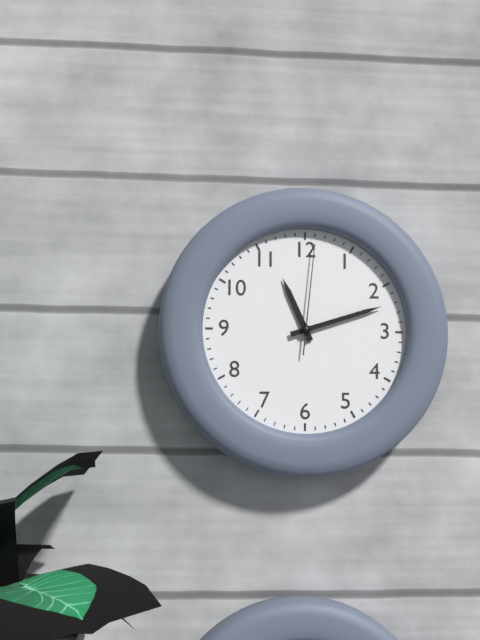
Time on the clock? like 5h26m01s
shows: 11h12m01s
